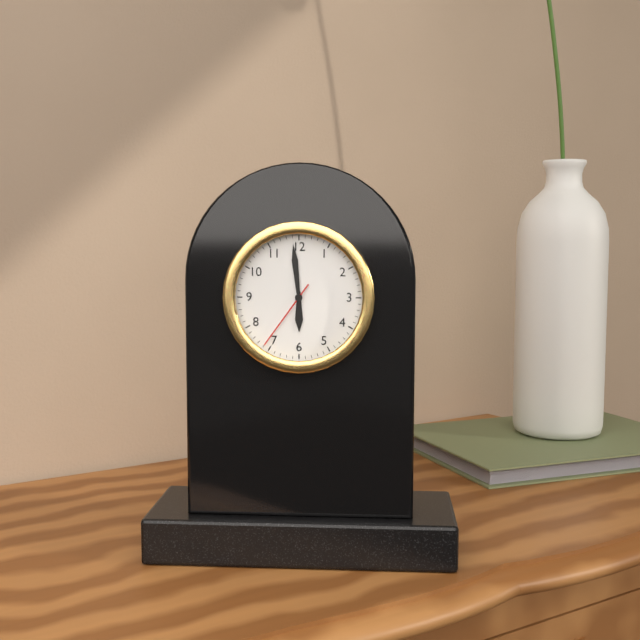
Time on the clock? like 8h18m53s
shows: 5h59m36s
